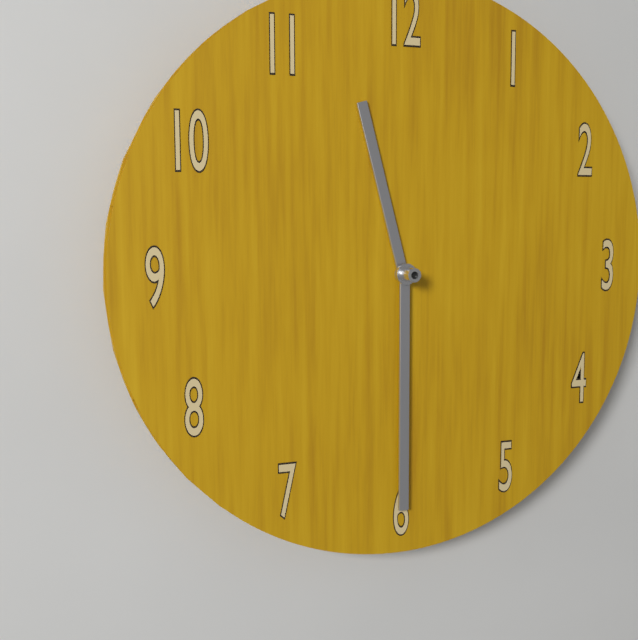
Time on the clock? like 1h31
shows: 11h30
